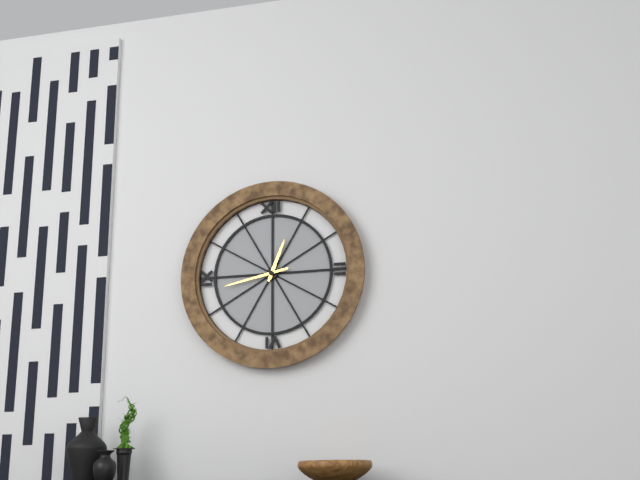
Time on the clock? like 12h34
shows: 12h43
